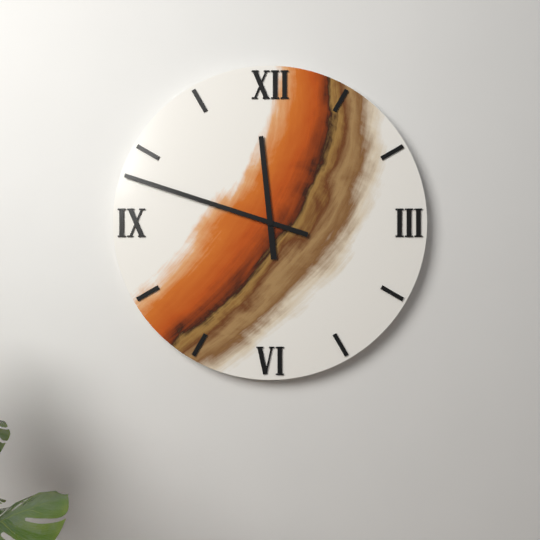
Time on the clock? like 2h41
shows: 11h48
